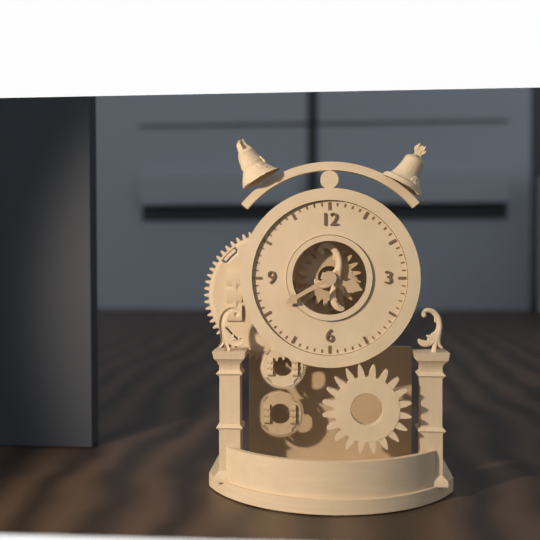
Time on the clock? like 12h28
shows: 3h40
